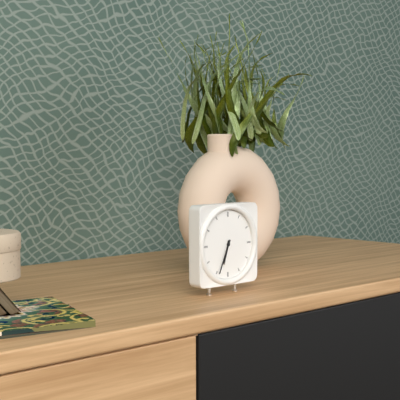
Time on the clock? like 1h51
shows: 6h34
